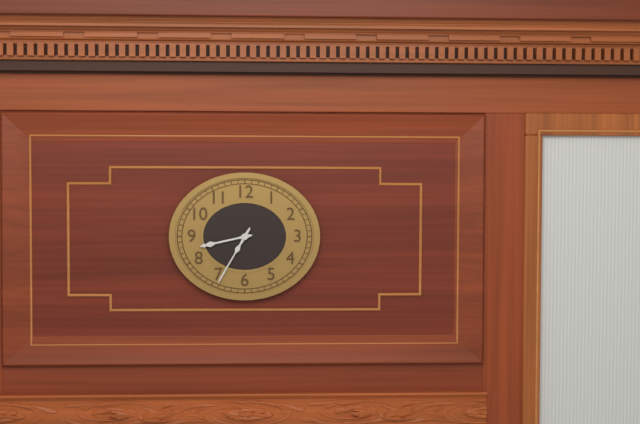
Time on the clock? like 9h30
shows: 8h35
